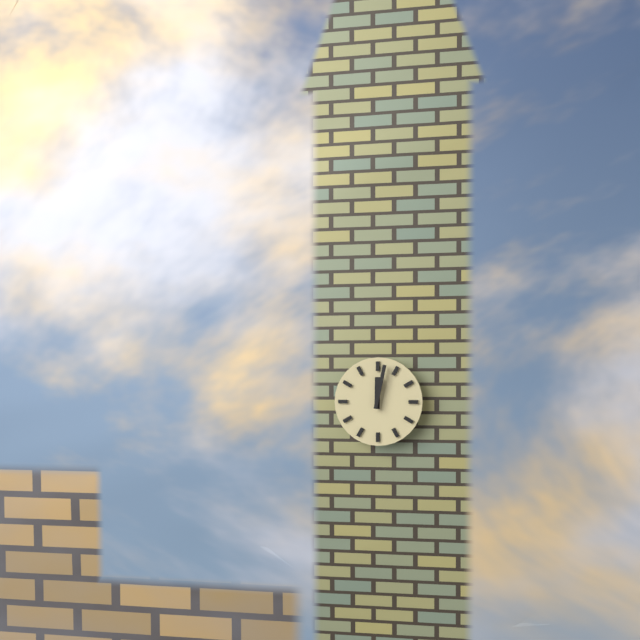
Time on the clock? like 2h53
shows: 12h02
